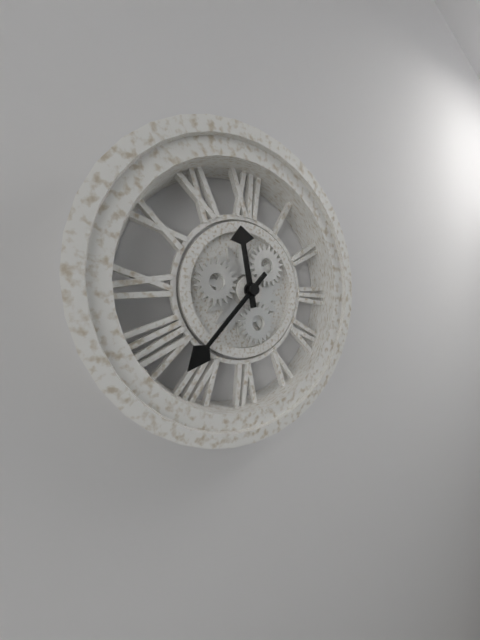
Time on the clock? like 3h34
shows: 11h37
